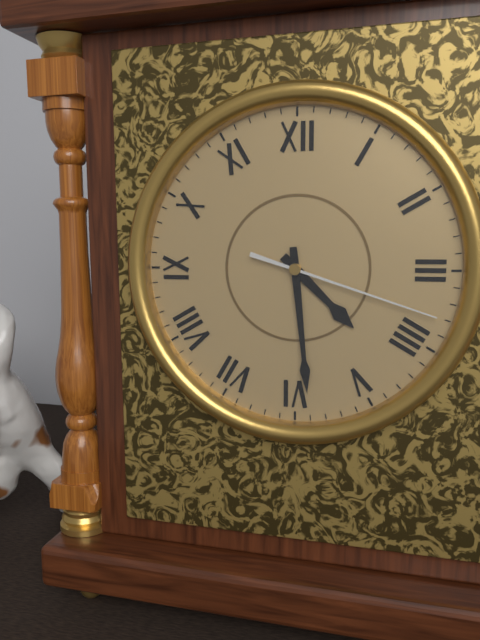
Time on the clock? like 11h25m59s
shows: 4h29m18s
